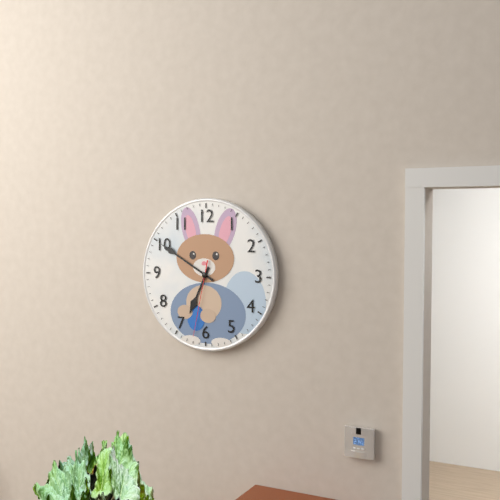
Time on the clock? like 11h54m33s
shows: 6h50m32s
